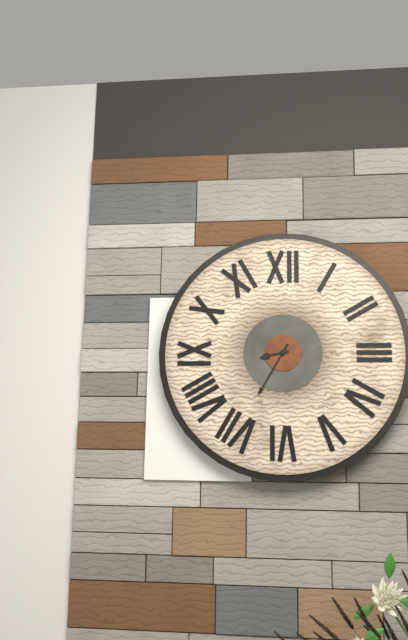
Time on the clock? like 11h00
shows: 8h35
